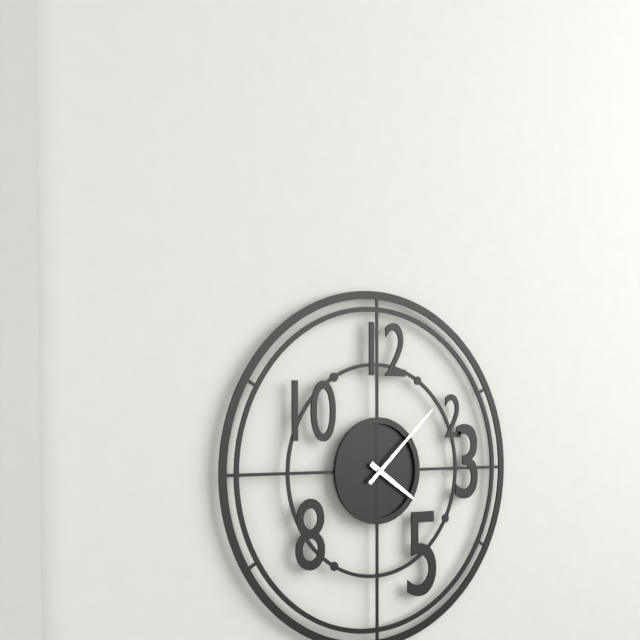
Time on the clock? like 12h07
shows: 4h08
